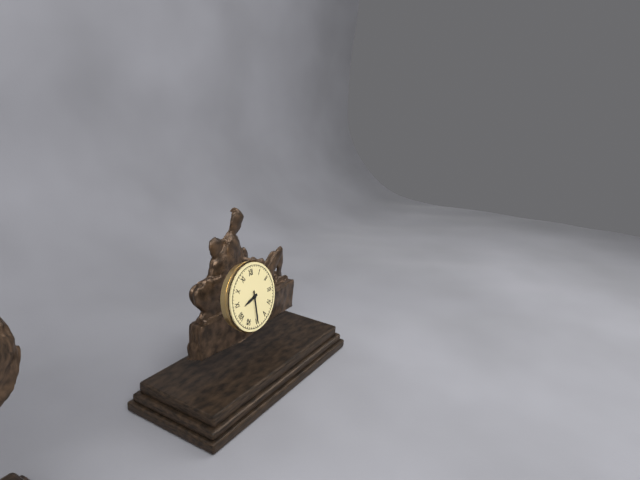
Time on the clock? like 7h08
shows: 8h30
